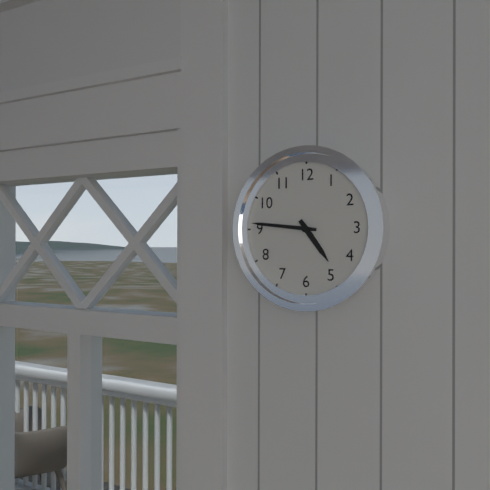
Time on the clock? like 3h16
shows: 4h46
